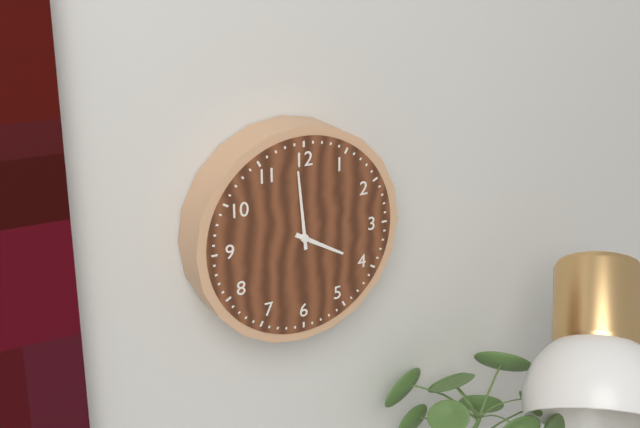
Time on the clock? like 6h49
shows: 3h59
